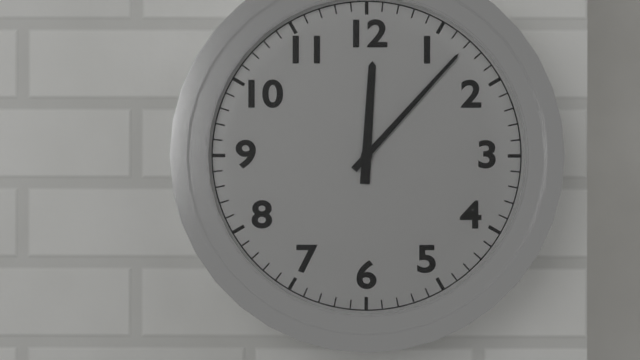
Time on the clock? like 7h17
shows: 12h07
